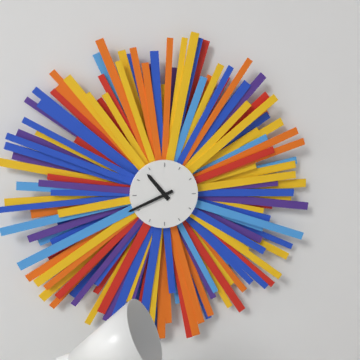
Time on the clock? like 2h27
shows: 10h41
